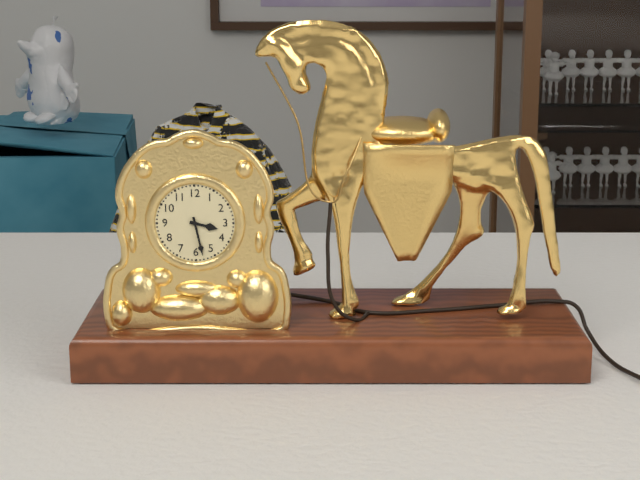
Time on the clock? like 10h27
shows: 3h28
